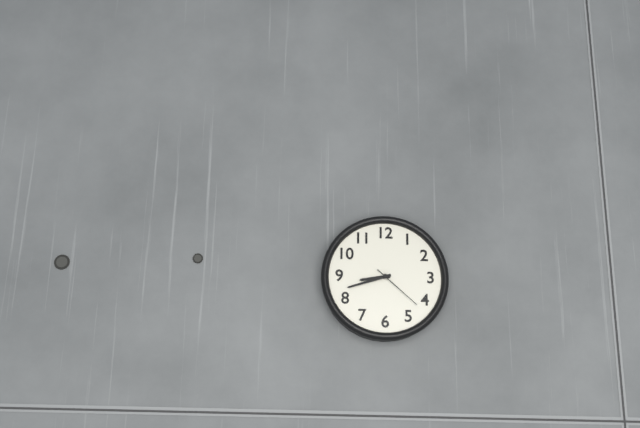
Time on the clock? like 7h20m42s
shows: 8h42m22s
